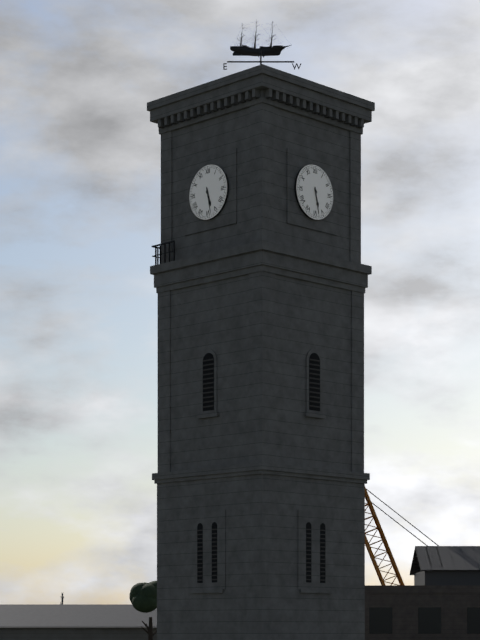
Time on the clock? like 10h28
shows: 5h28
